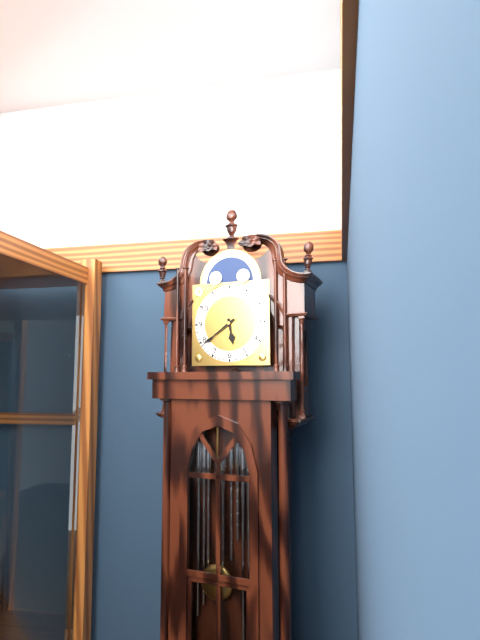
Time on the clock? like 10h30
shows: 5h39
